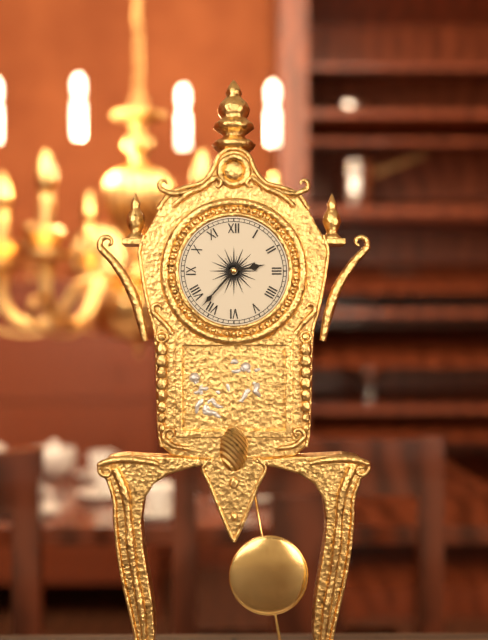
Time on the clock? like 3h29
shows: 2h37
